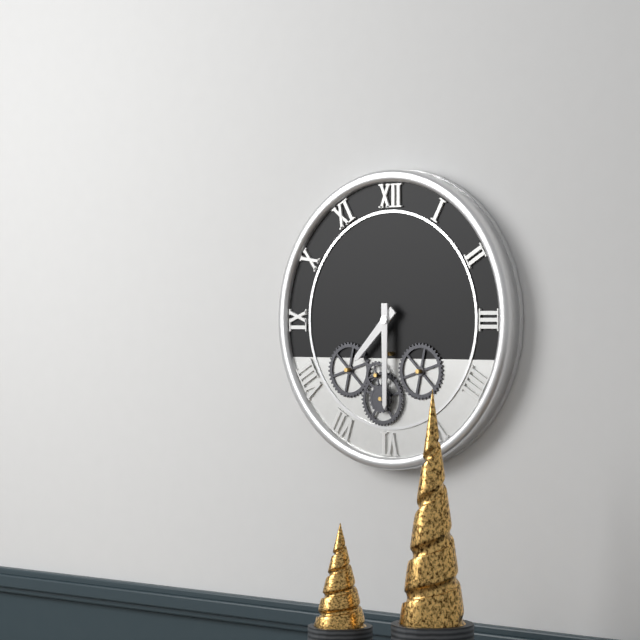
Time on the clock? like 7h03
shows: 7h30
